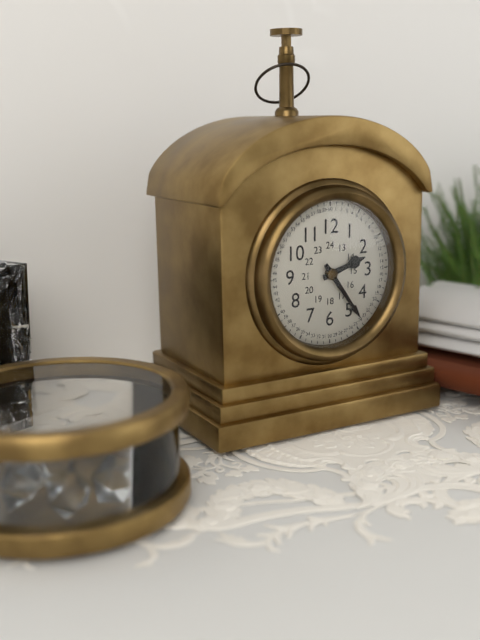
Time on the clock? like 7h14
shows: 2h24
